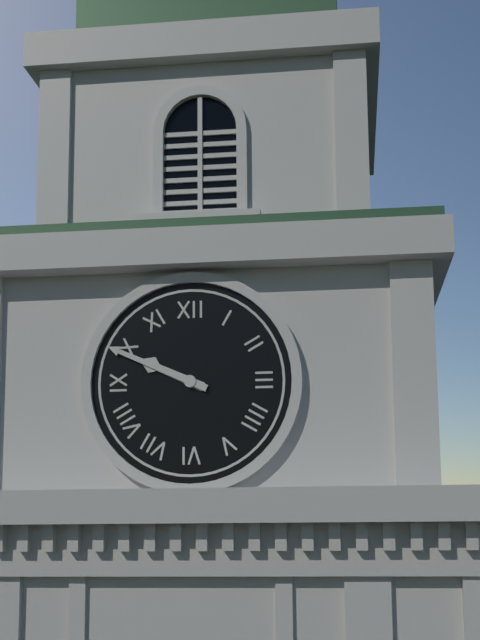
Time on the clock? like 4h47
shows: 9h49
